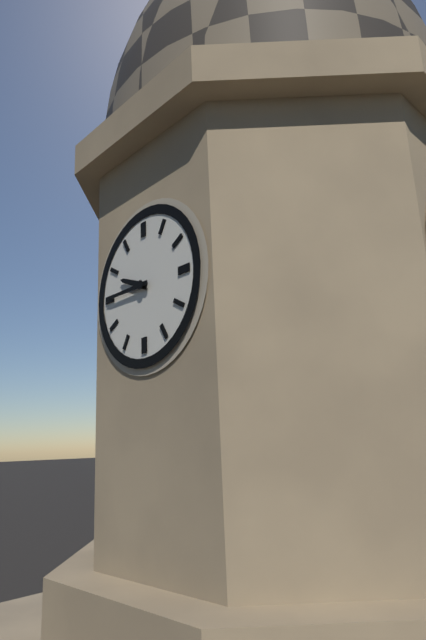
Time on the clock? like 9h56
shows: 9h45
